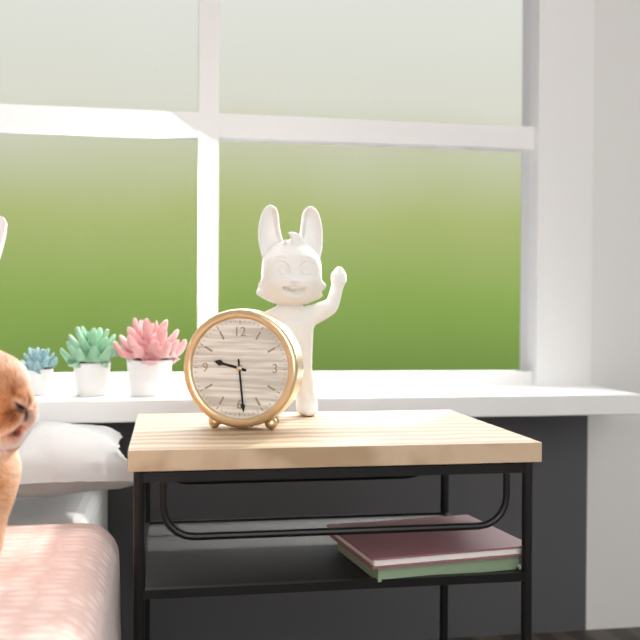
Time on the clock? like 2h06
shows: 9h29
